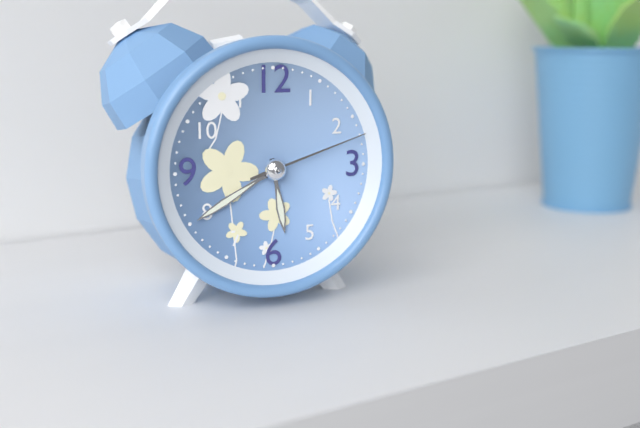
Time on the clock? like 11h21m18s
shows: 5h40m12s
